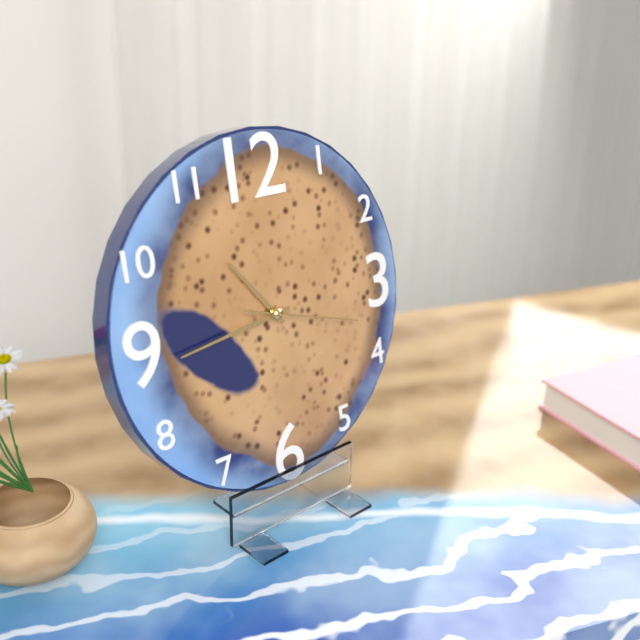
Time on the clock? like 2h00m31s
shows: 10h44m18s
